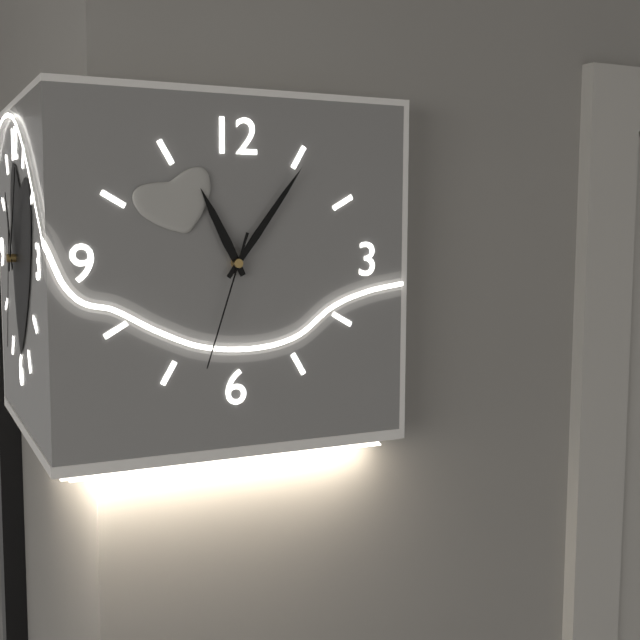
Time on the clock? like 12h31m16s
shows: 11h06m33s
